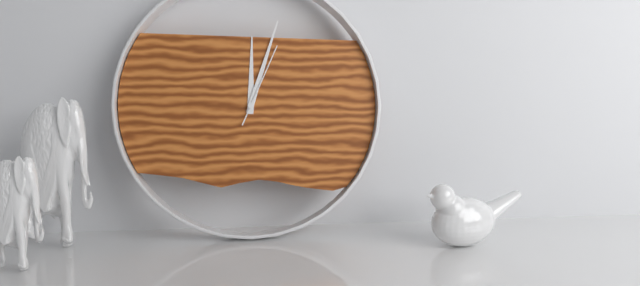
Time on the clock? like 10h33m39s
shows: 12h03m04s
